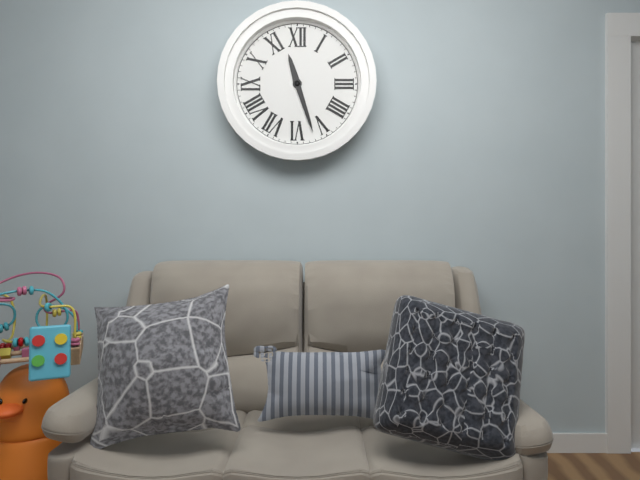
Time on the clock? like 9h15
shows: 11h27
